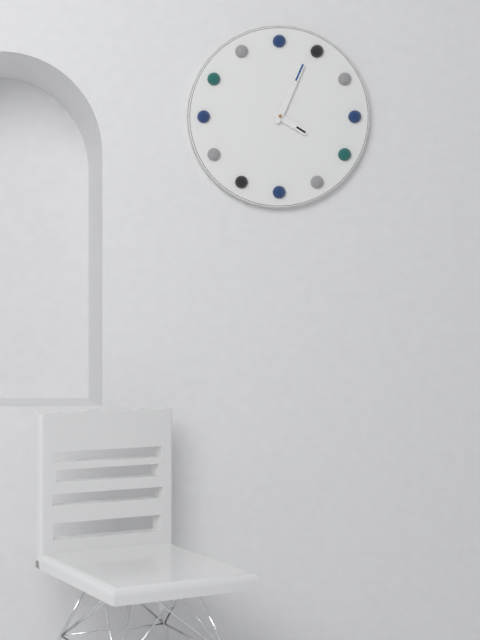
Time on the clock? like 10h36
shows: 4h04
